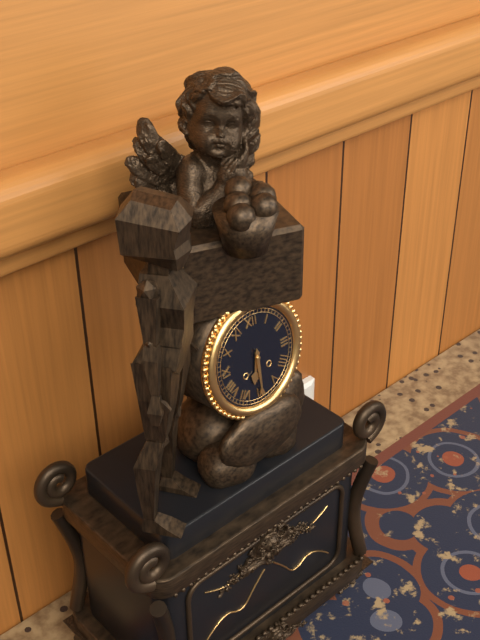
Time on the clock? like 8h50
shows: 6h30
